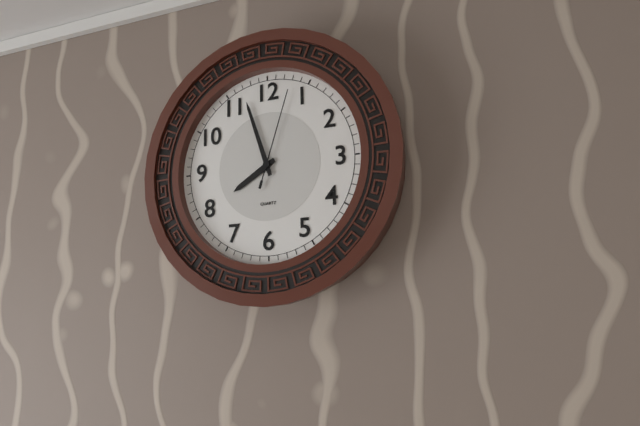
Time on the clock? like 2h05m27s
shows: 7h57m03s
